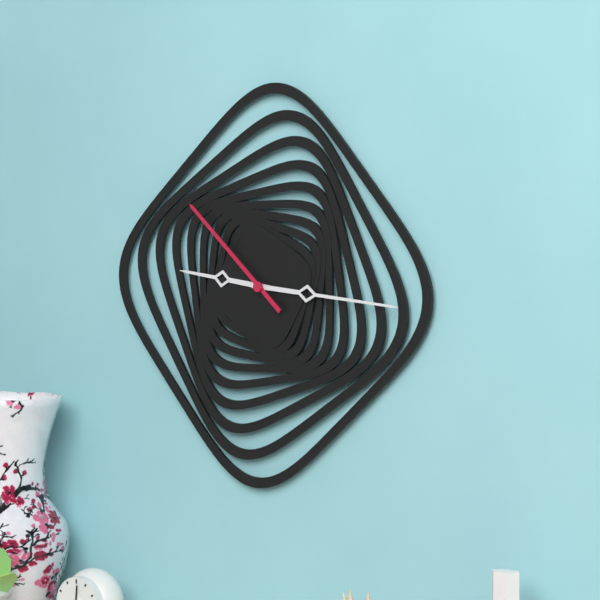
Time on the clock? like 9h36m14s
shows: 9h16m52s
